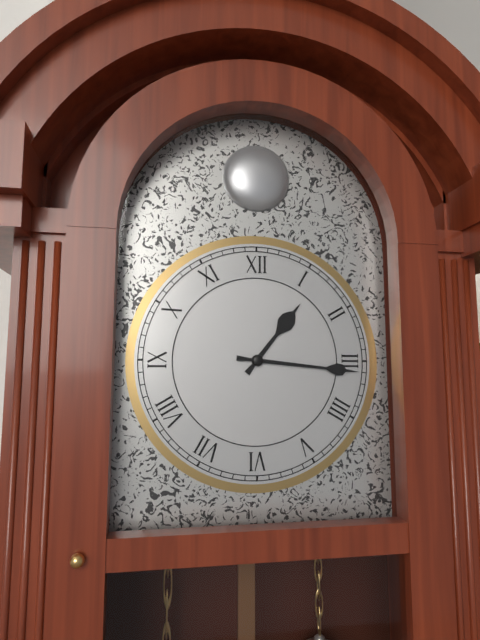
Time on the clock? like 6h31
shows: 1h16
